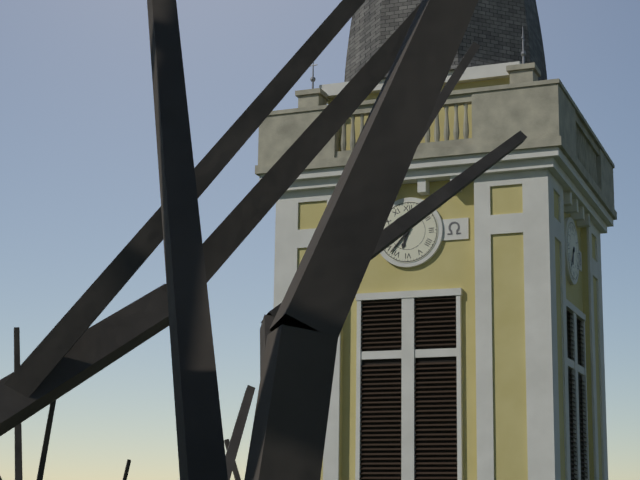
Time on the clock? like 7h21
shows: 6h37
